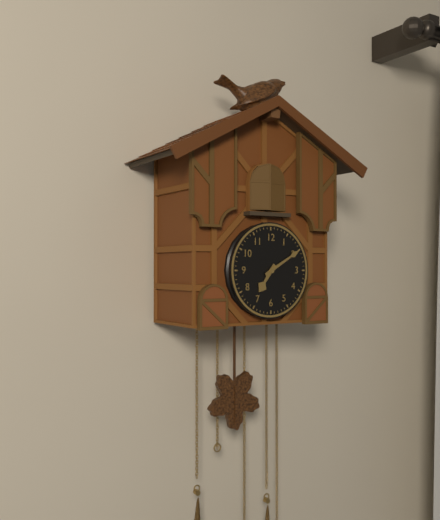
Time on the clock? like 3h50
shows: 7h10
